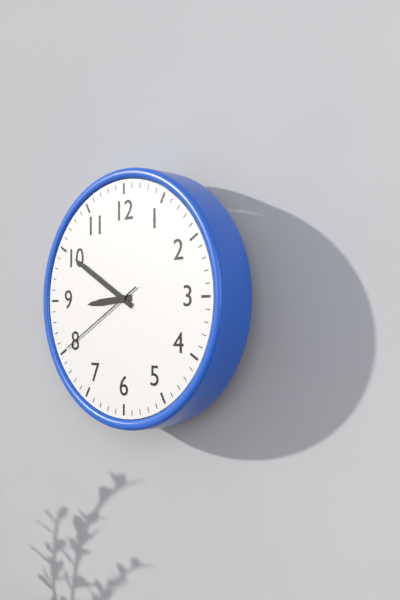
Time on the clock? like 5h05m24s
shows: 8h50m40s
